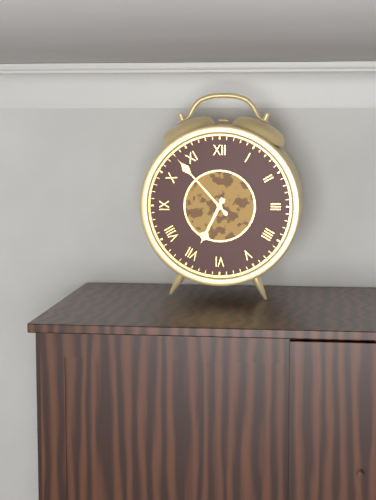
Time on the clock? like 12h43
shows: 6h53
